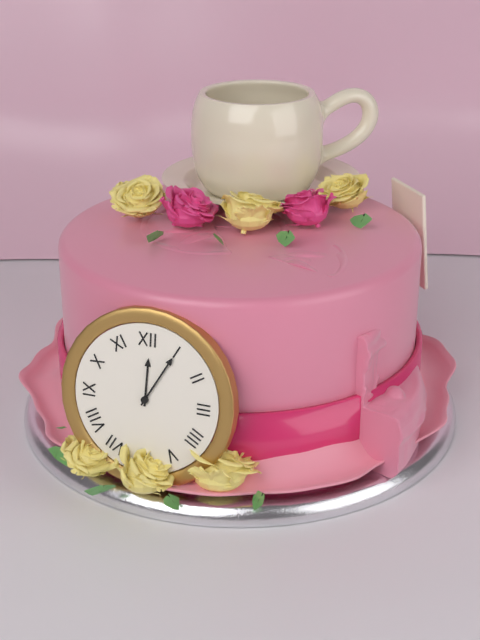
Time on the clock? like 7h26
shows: 12h05
